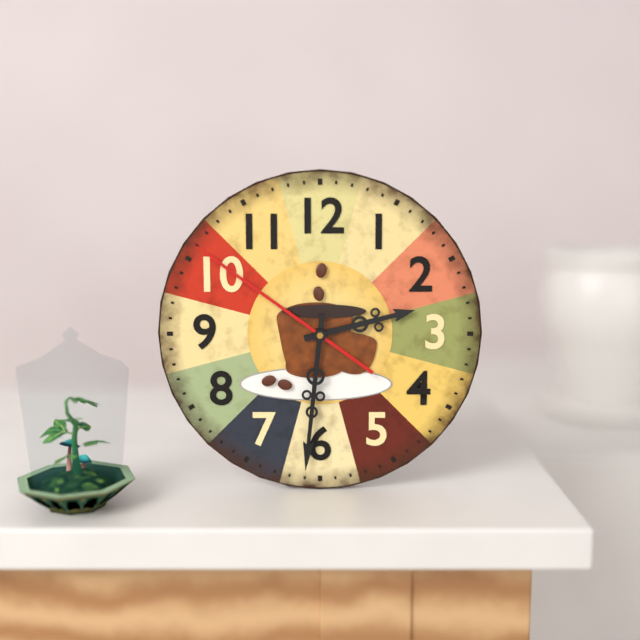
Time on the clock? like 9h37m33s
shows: 2h31m51s
